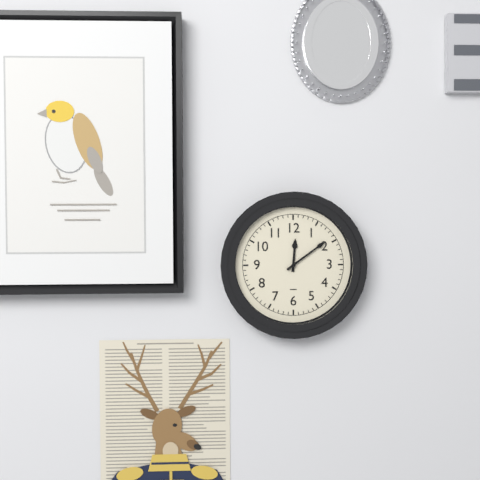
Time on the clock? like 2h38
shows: 12h09
